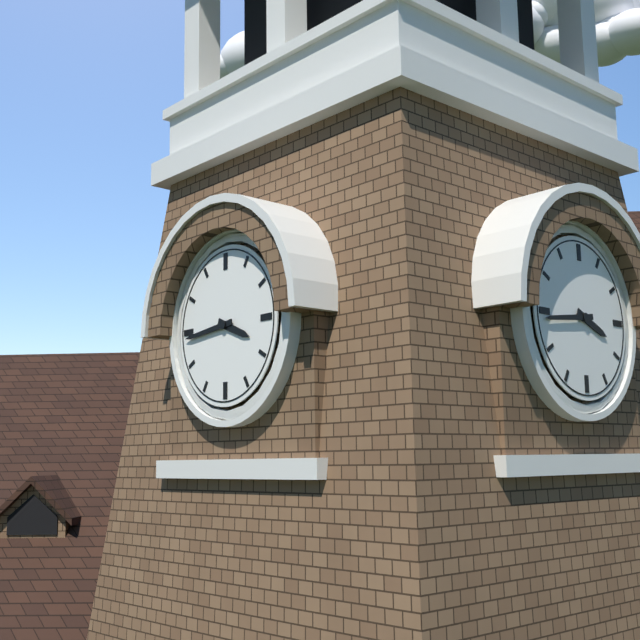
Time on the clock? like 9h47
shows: 3h44
